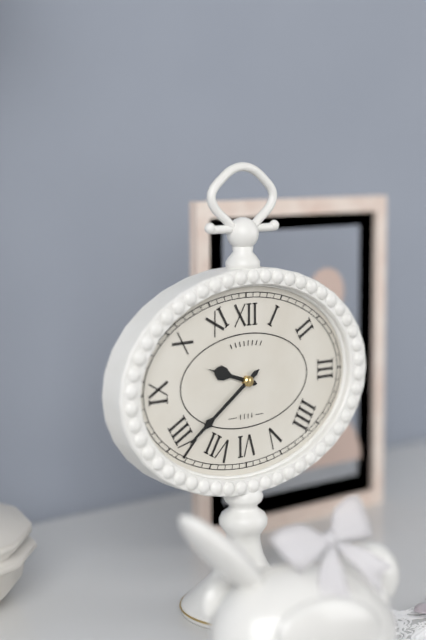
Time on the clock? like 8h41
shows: 9h39
